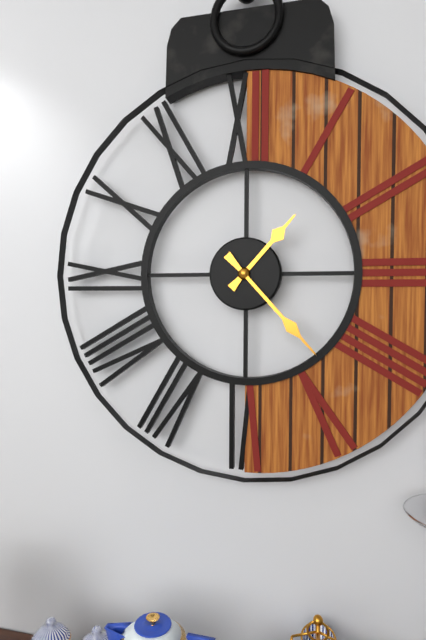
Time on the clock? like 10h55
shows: 1h23
